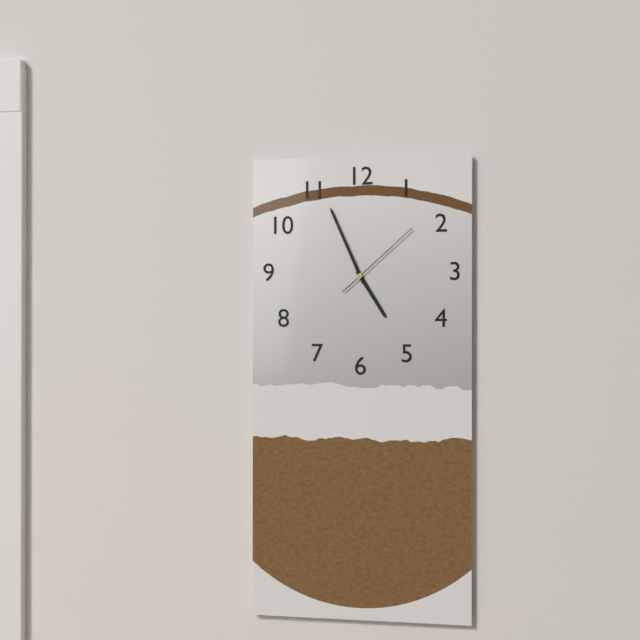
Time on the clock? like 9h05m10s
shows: 4h56m08s
